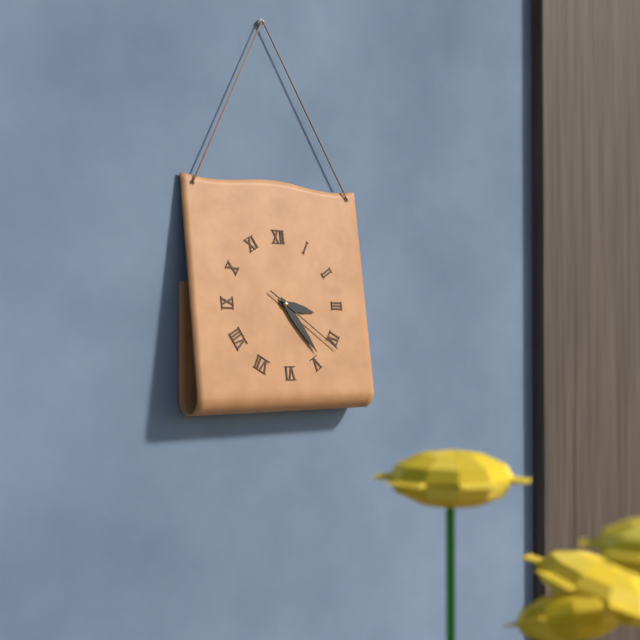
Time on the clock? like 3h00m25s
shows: 3h24m21s
